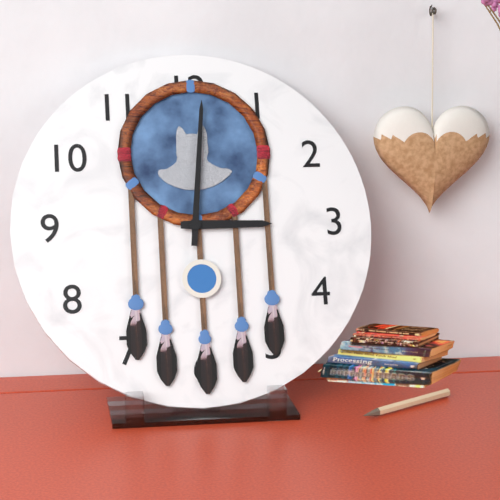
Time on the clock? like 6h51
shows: 3h01
